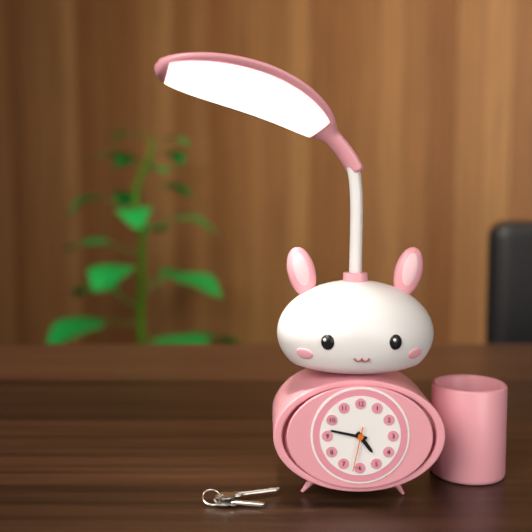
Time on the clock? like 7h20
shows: 4h47
